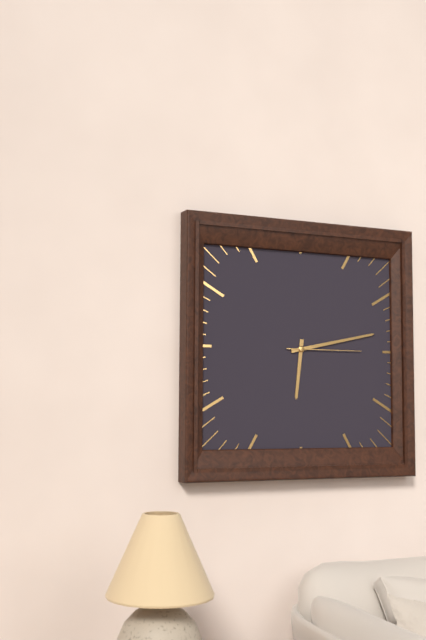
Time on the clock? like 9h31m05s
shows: 6h13m15s
